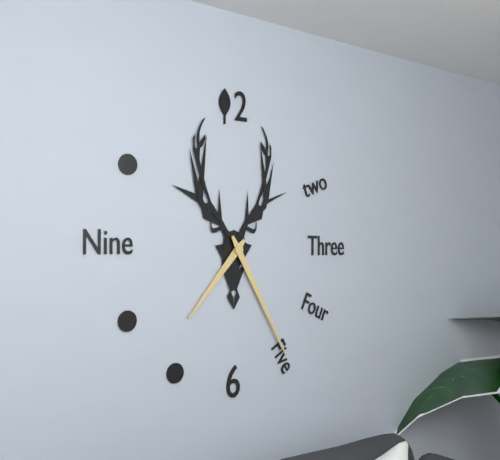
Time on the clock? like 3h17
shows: 7h25
